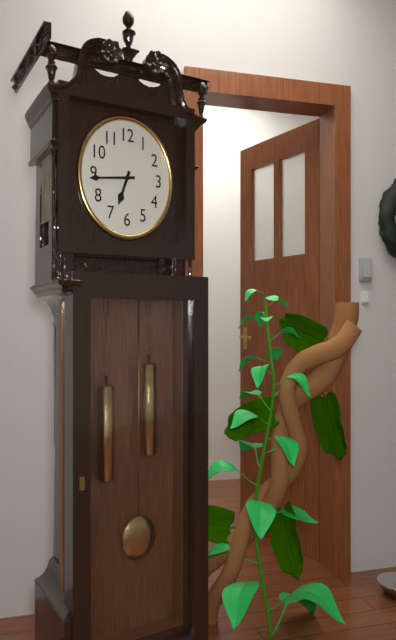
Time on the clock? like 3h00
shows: 6h44
